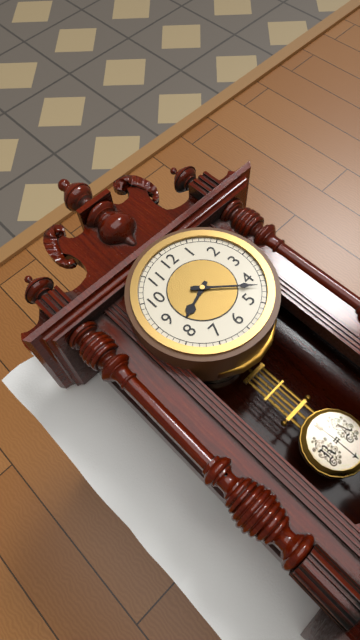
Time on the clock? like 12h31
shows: 8h22
